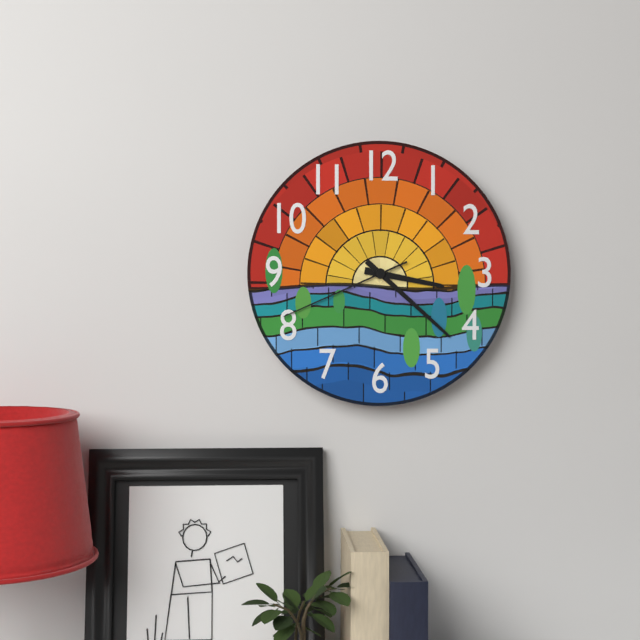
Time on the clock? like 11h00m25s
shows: 3h22m41s
